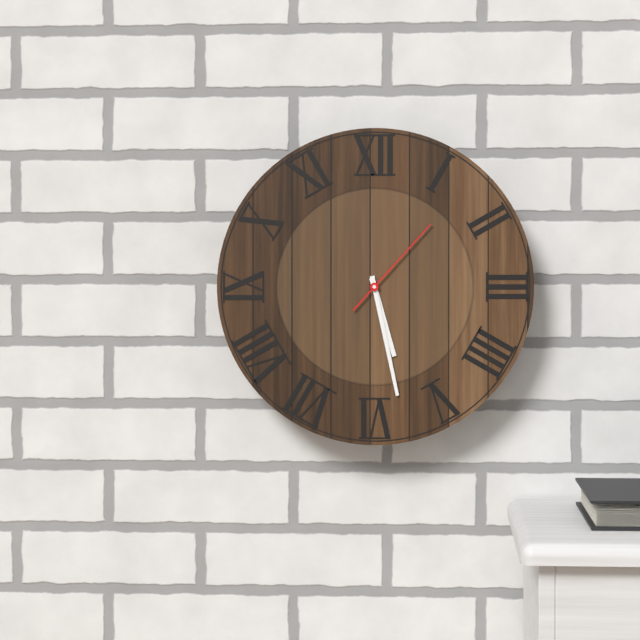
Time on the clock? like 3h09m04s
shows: 5h28m07s
